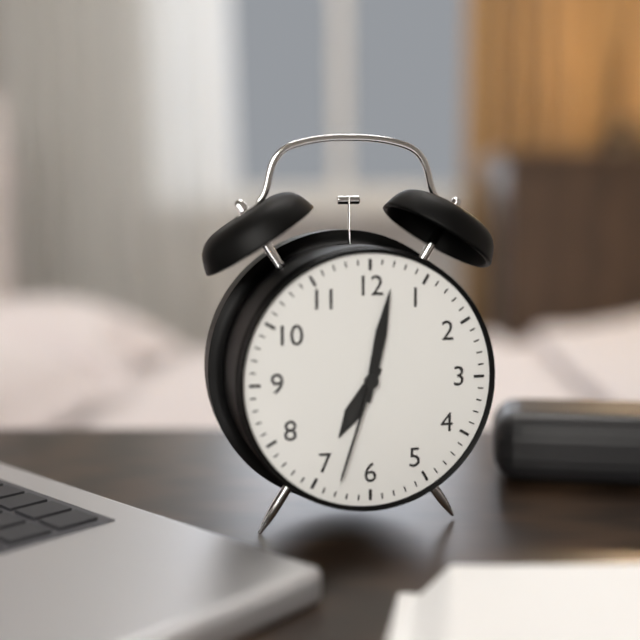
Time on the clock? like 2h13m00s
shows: 7h02m33s
